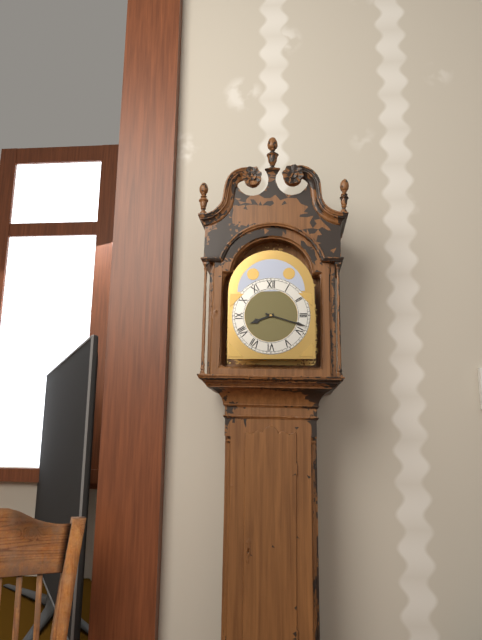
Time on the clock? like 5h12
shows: 8h18
